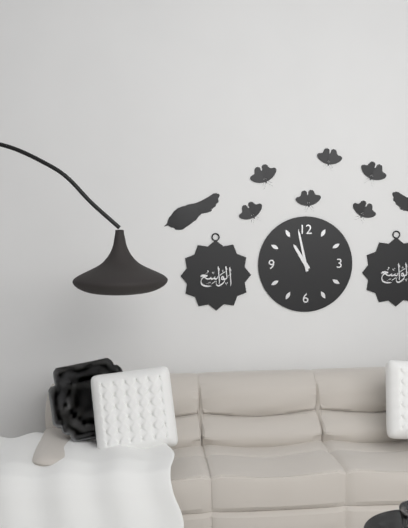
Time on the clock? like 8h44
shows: 10h58
